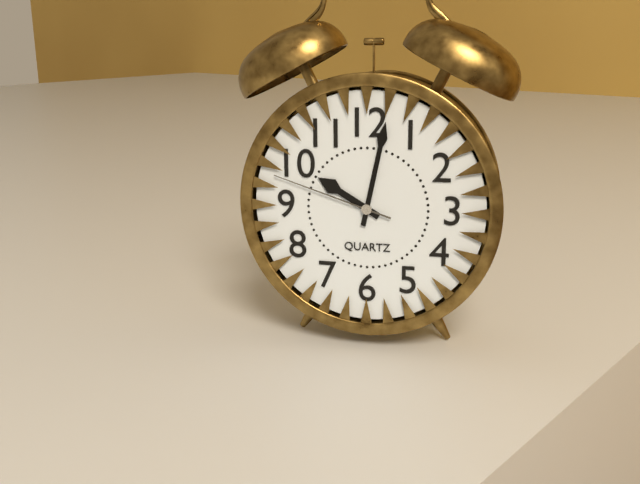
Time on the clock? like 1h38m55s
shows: 10h02m48s
